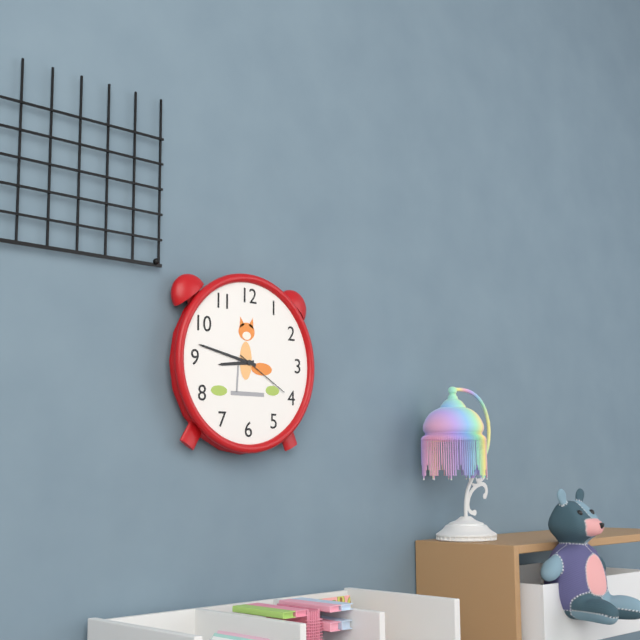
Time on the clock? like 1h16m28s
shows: 8h47m20s
